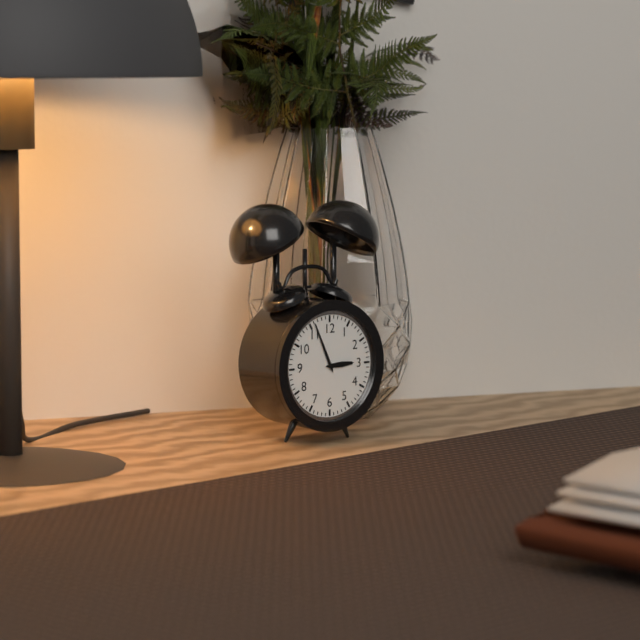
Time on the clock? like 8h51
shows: 2h56
